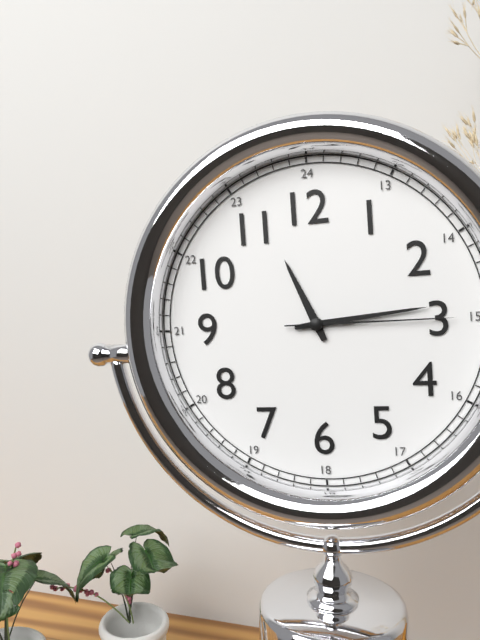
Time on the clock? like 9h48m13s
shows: 11h14m15s
